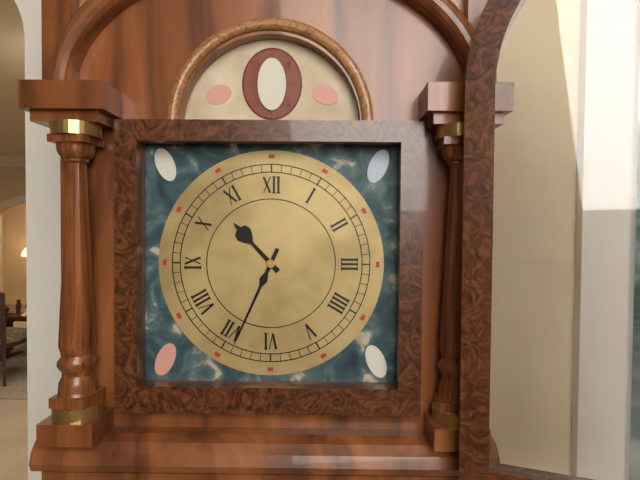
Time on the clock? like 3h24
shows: 10h34
